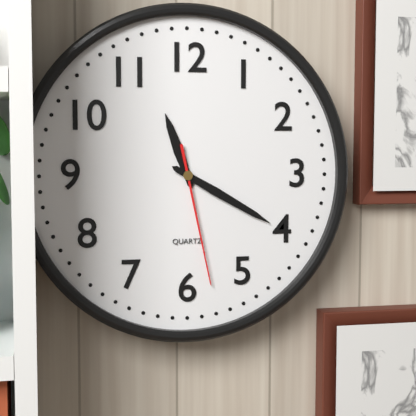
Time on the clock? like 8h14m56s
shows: 11h20m28s
